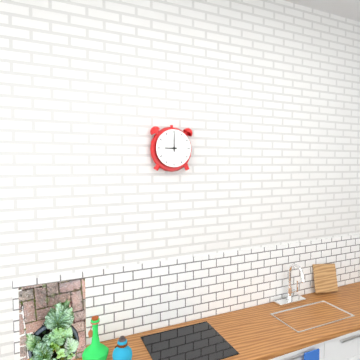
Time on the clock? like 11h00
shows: 9h00
